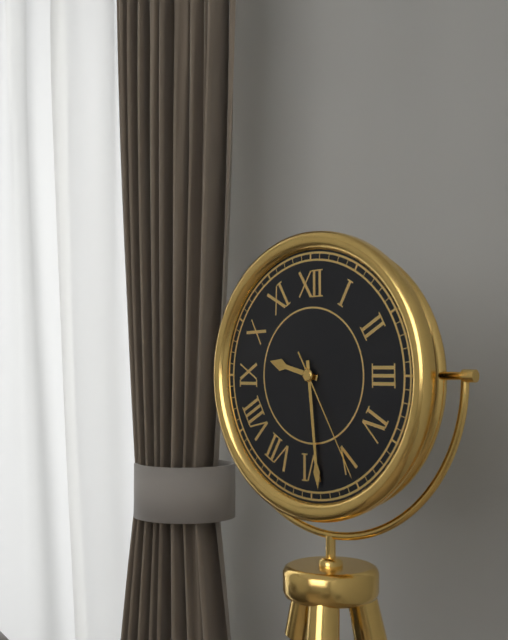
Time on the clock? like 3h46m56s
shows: 9h29m25s
